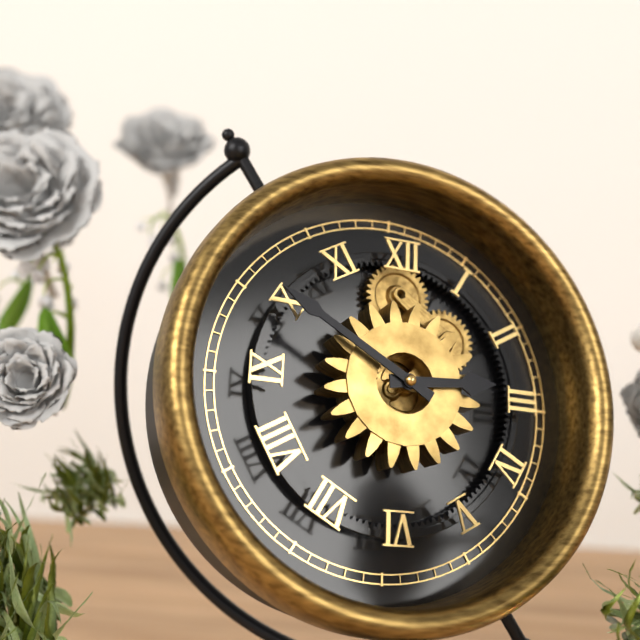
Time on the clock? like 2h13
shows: 2h50
